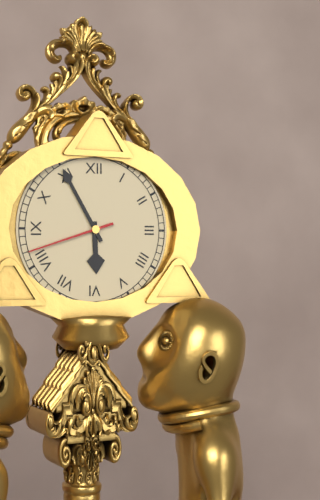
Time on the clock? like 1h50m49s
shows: 5h55m42s
